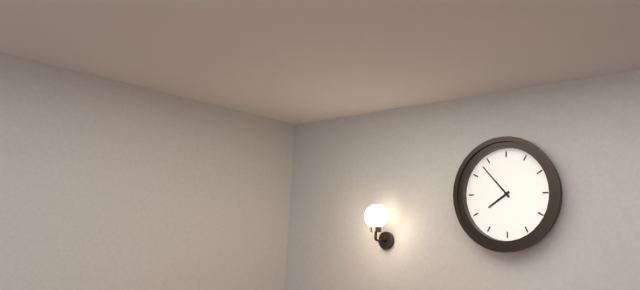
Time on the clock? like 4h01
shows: 7h53
